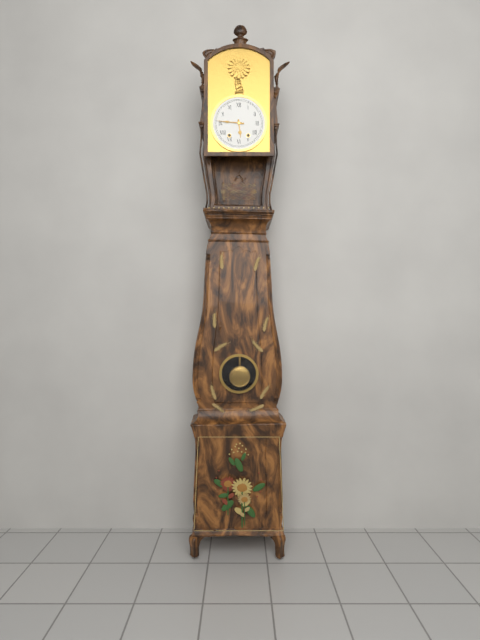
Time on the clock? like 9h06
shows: 5h46
